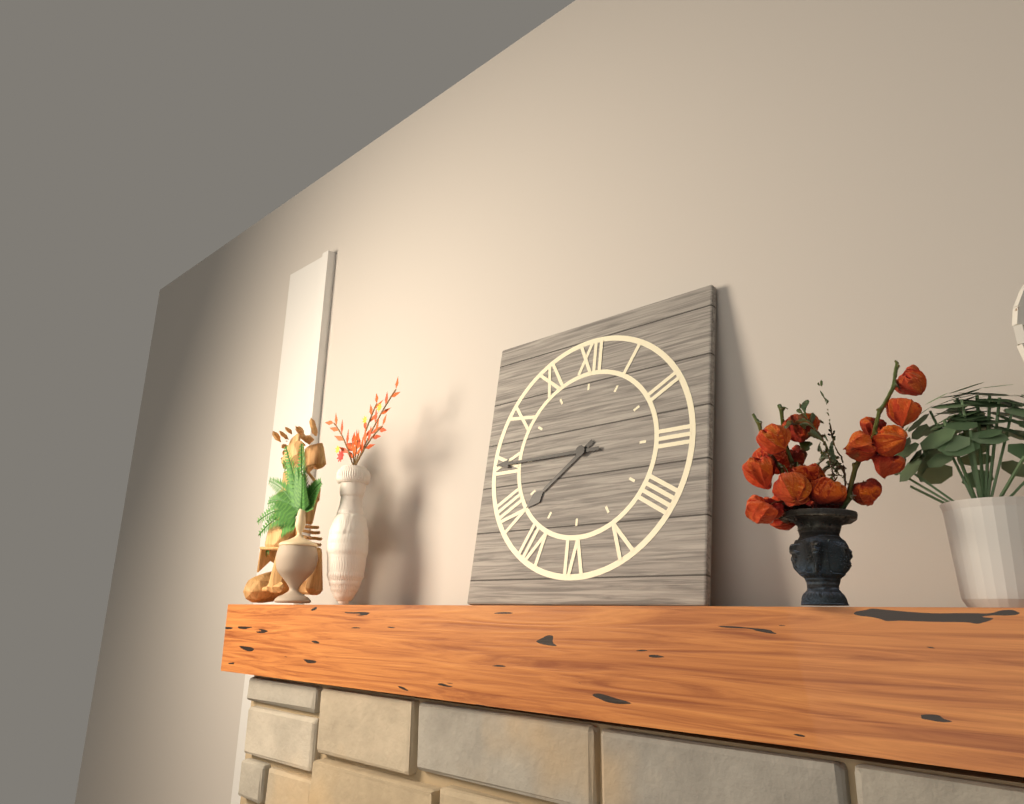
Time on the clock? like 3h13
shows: 7h45
